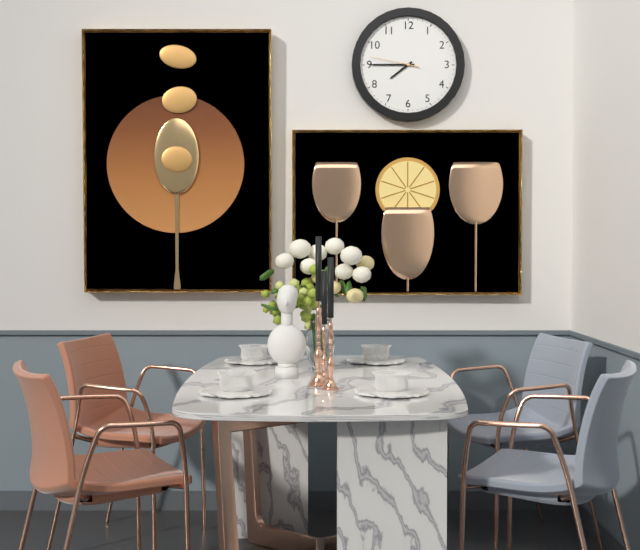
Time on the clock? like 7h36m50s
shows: 7h45m47s
